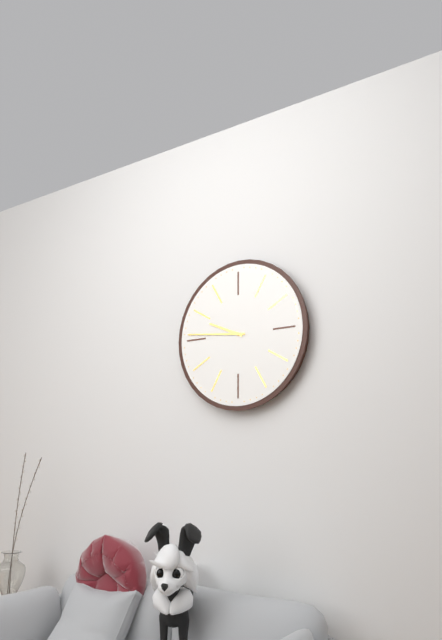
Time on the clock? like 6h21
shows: 9h46
